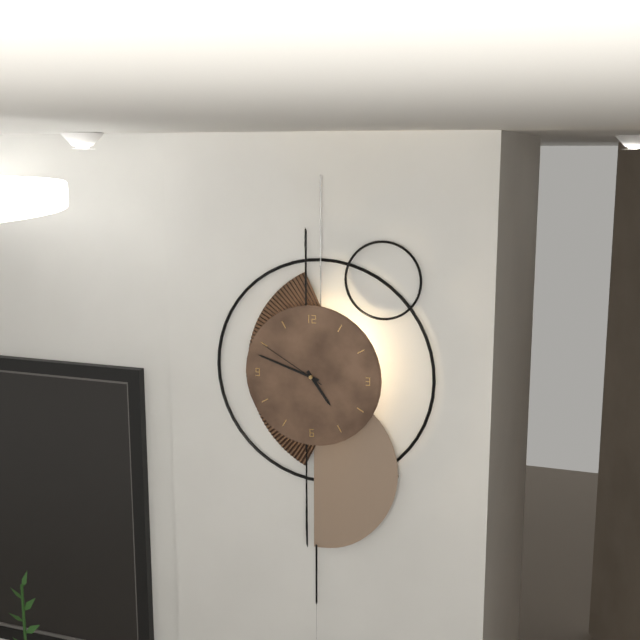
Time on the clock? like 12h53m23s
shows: 4h48m50s
